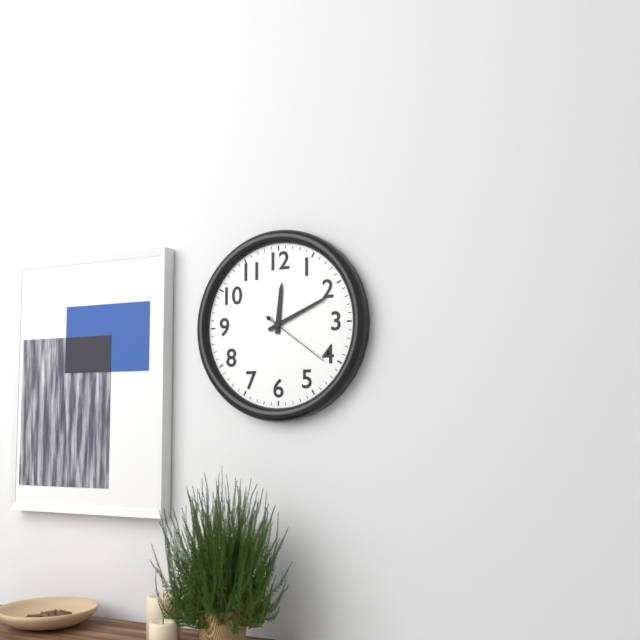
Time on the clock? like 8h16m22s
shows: 12h11m21s
